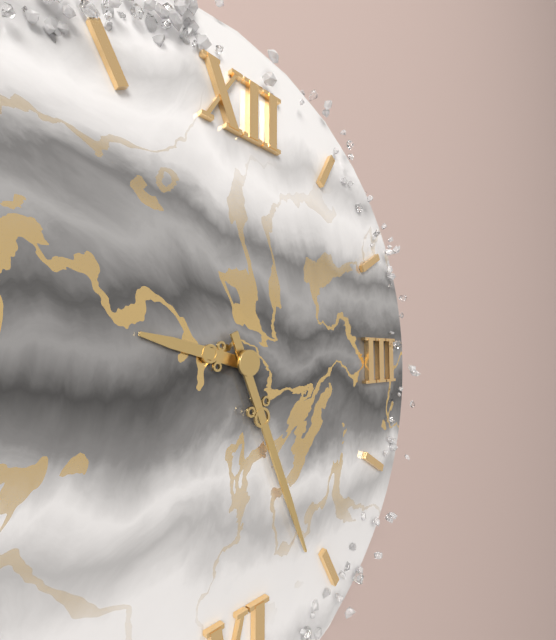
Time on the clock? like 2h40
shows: 9h26
